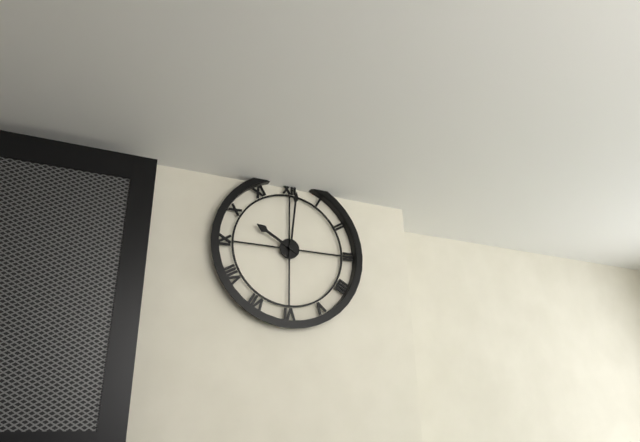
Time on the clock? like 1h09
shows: 10h01
